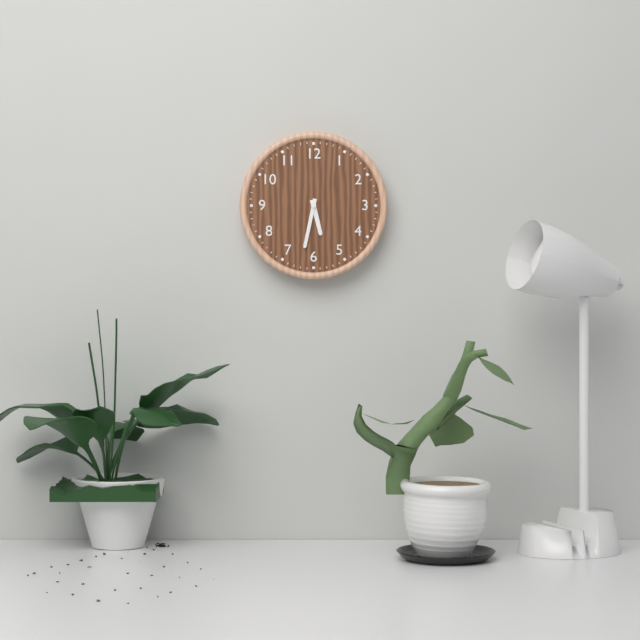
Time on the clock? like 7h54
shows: 5h32
